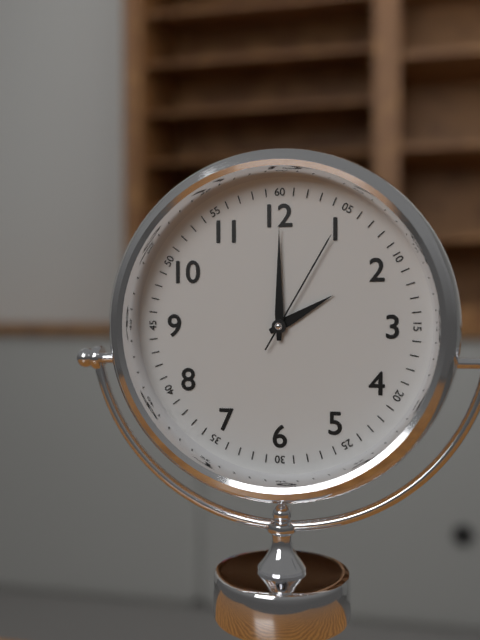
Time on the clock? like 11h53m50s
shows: 2h00m05s
